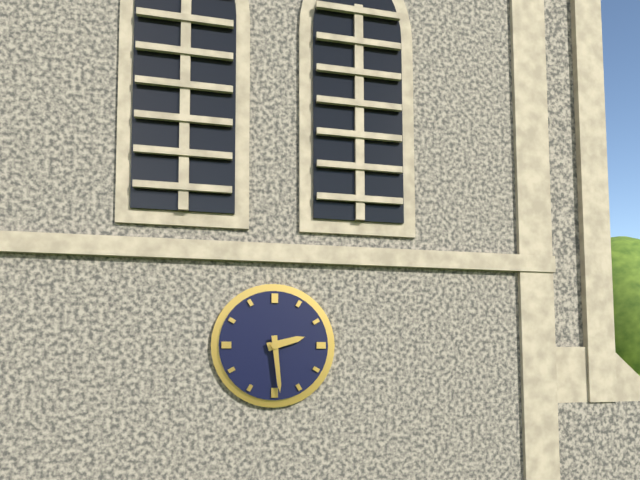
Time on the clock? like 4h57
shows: 2h29
